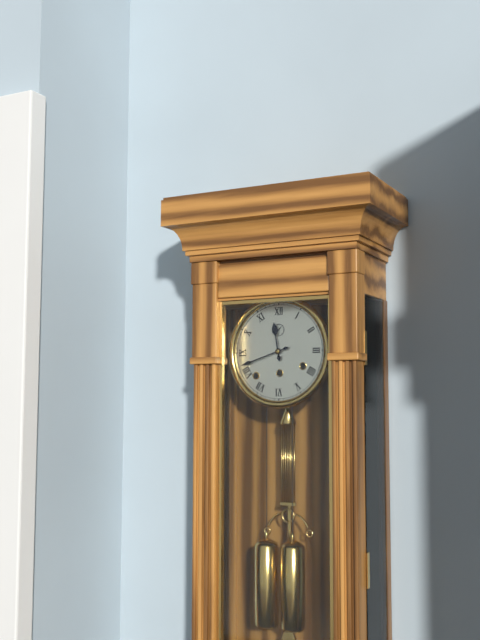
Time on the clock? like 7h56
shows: 11h42
